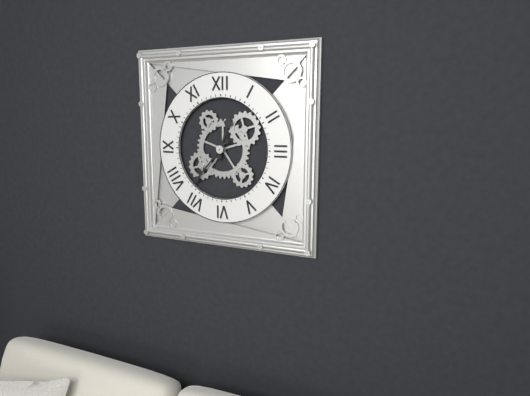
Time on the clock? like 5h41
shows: 12h37
